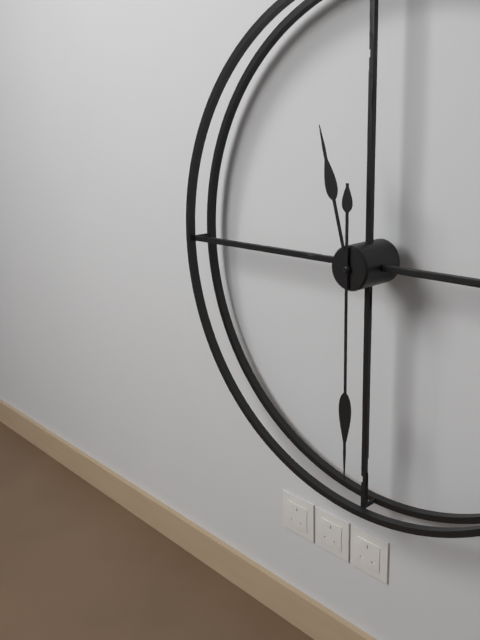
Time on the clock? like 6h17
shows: 11h30
